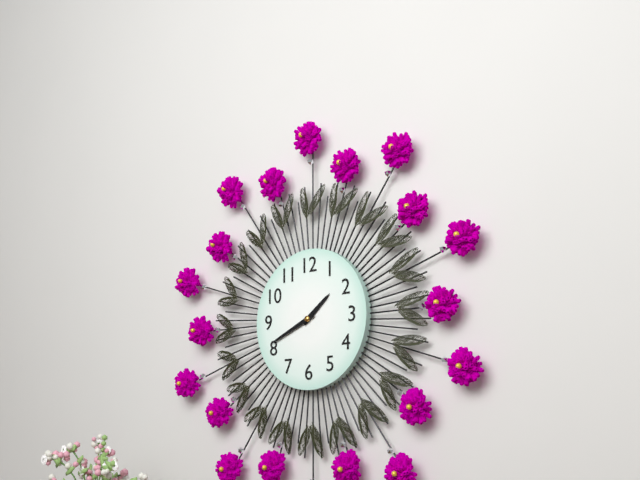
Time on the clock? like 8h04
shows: 1h41
